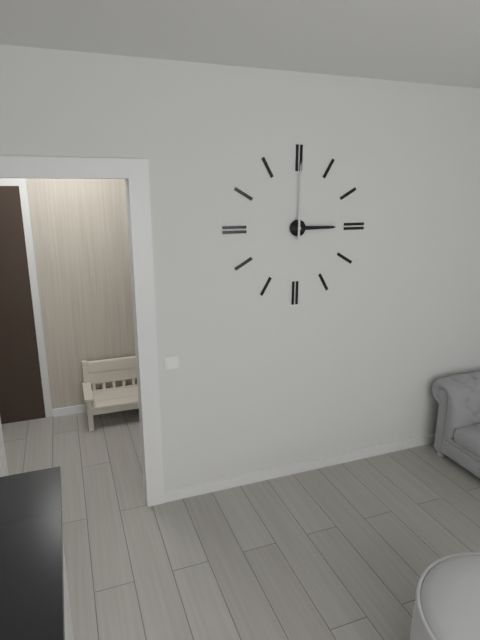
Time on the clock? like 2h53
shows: 3h00
